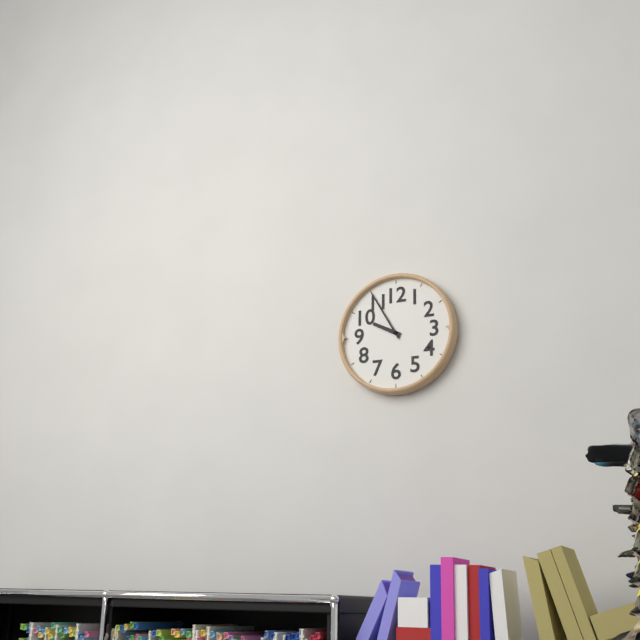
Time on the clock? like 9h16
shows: 9h55
